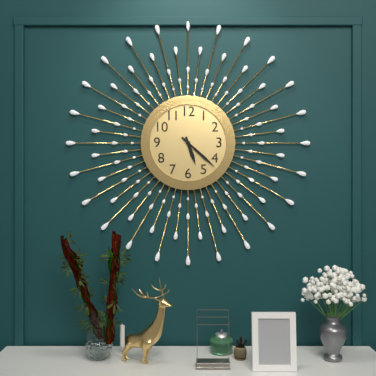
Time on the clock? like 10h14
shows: 5h22
